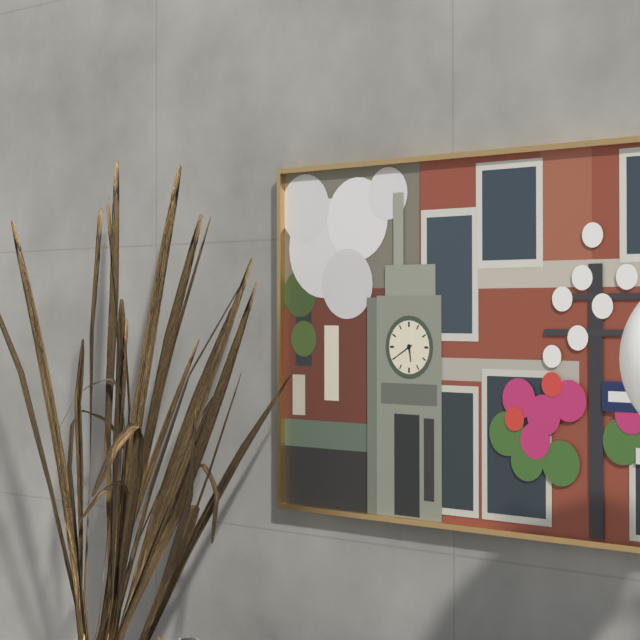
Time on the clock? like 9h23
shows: 5h40
